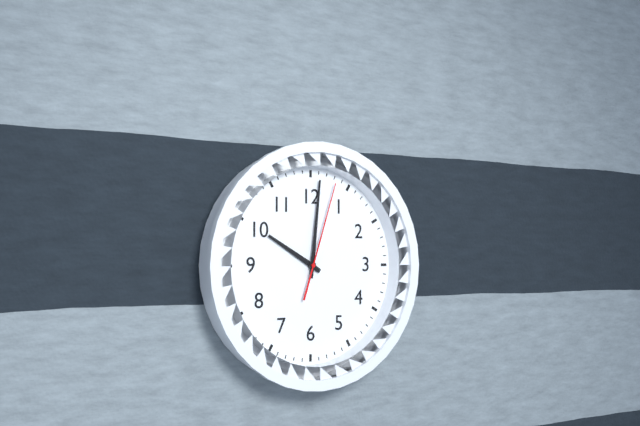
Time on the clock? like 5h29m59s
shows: 10h01m03s
